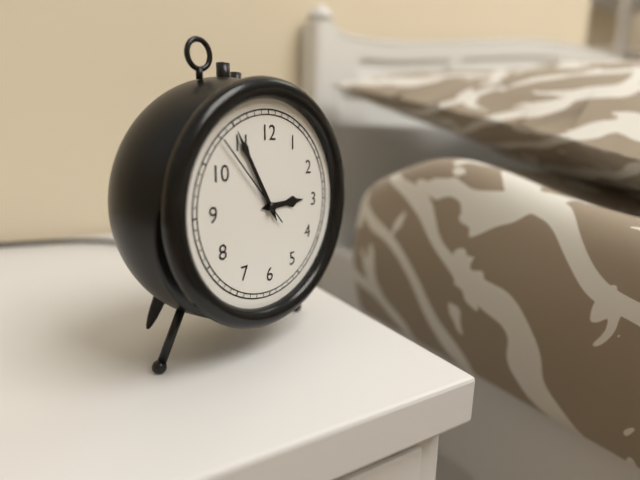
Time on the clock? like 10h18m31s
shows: 2h55m53s
